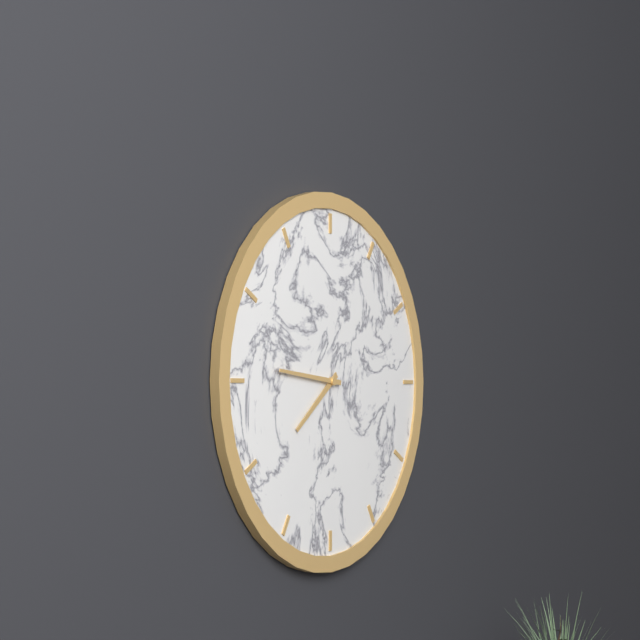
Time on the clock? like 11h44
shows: 7h46
